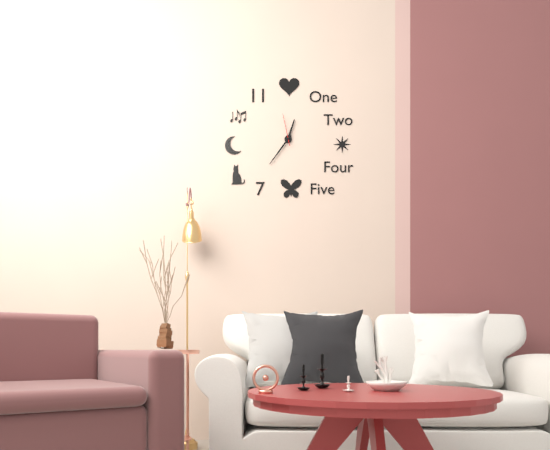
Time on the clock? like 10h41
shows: 12h36
